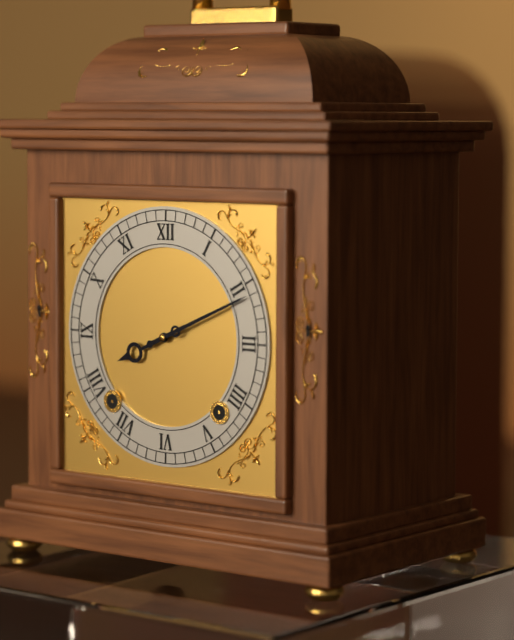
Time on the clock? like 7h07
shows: 8h11
